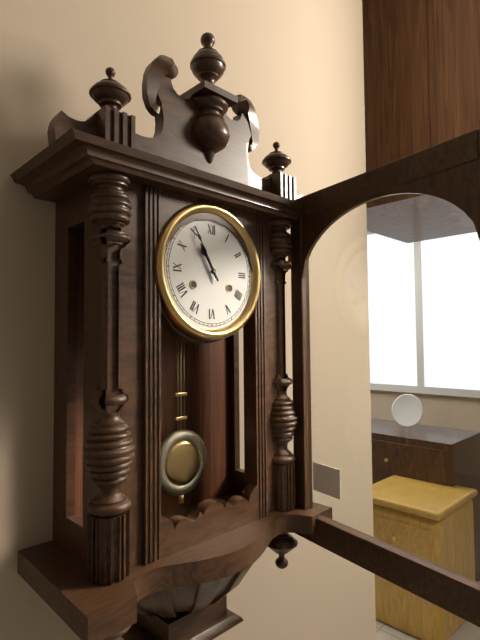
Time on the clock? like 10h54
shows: 10h55
